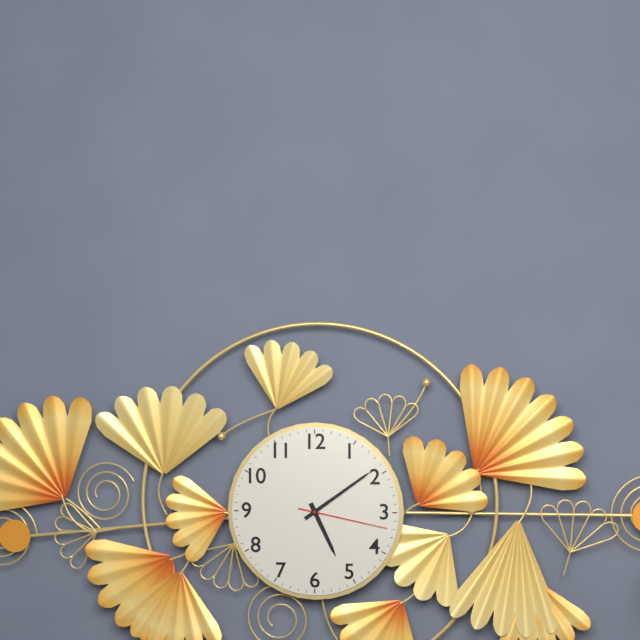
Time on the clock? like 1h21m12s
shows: 5h09m17s
